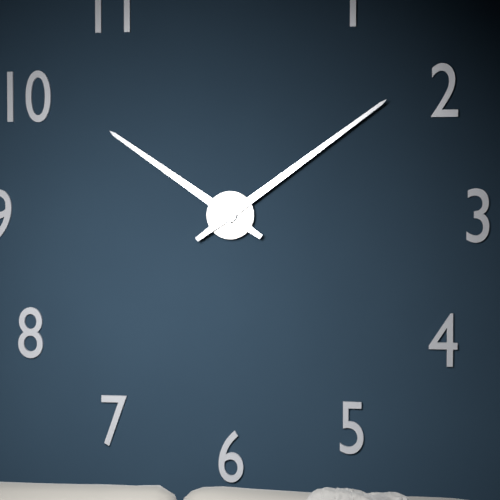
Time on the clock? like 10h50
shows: 10h09
